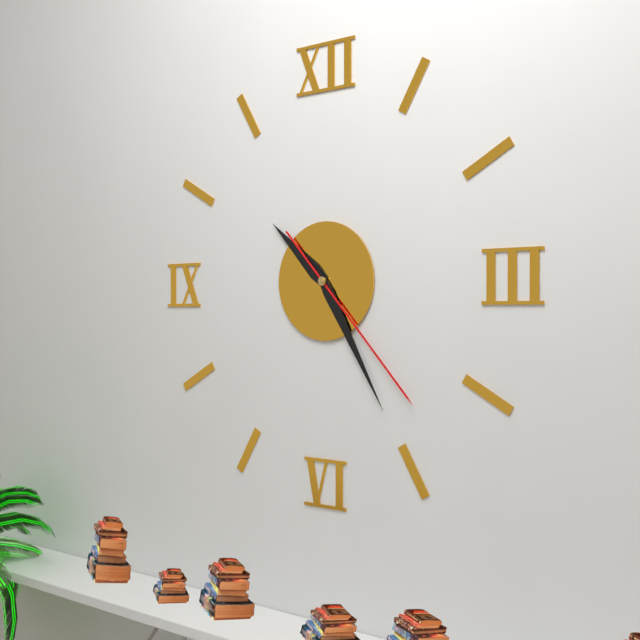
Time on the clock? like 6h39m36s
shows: 10h25m23s
